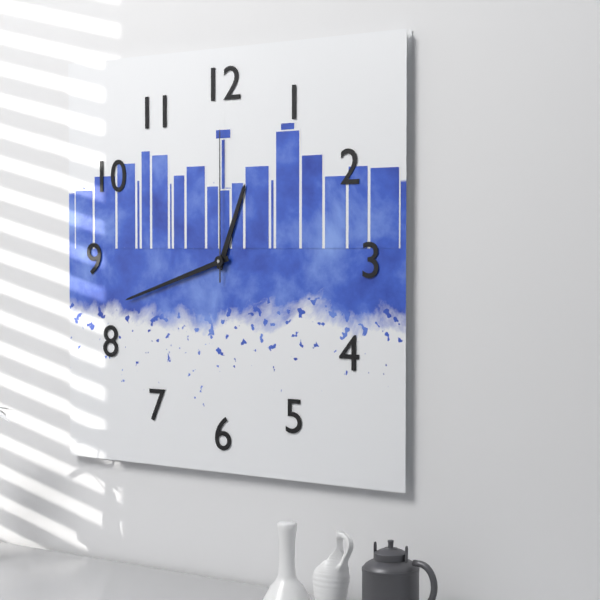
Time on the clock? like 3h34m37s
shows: 12h42m00s
